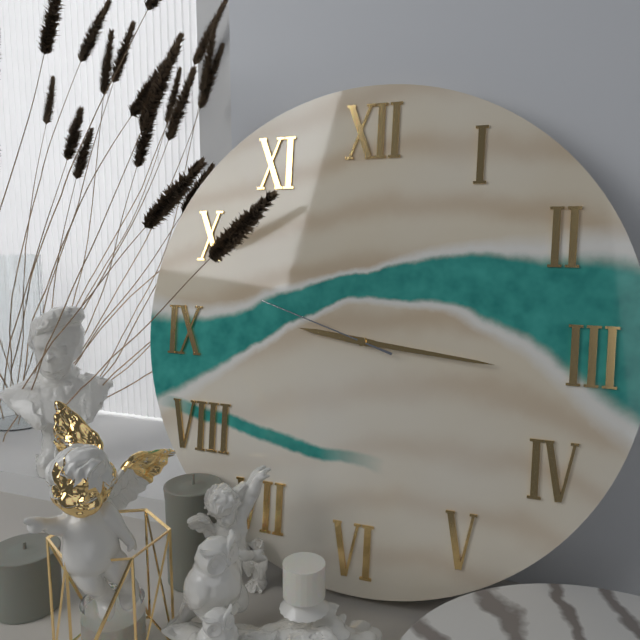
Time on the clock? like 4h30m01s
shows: 9h16m48s
